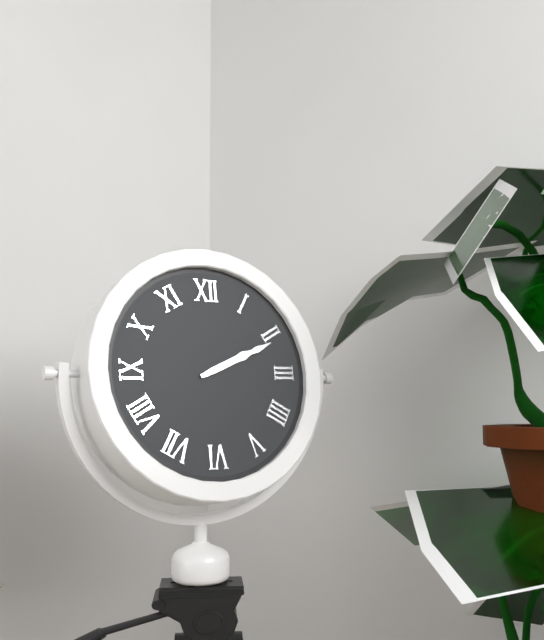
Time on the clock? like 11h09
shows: 2h11
